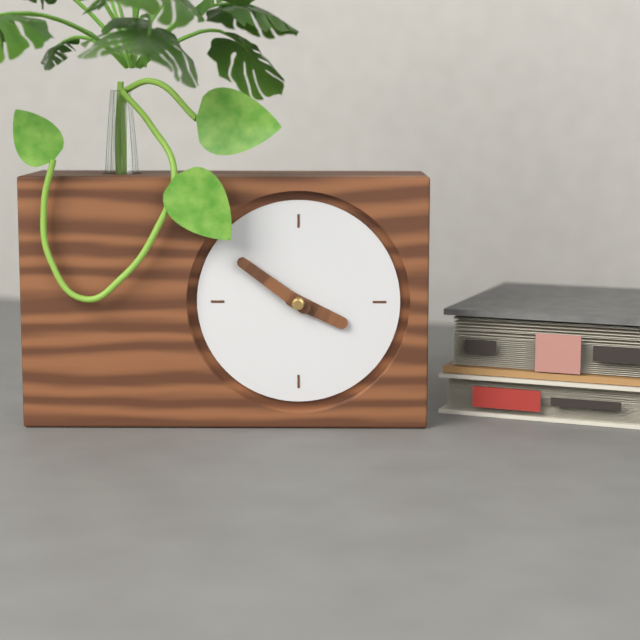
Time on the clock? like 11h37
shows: 3h51
